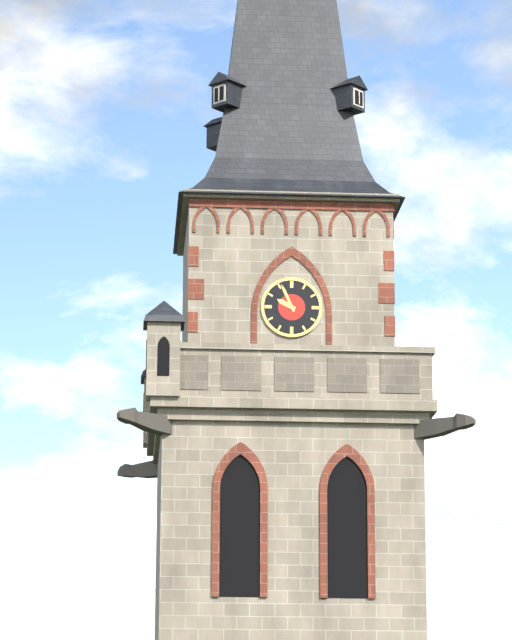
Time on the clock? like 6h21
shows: 9h56
